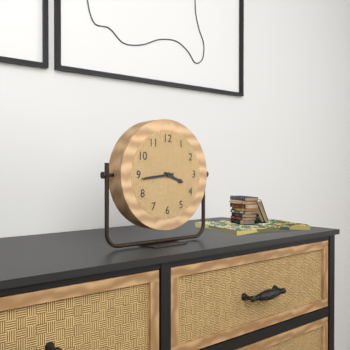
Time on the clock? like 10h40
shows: 3h44
